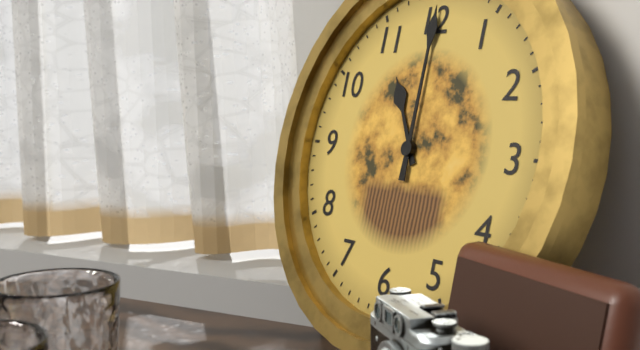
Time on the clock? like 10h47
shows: 11h00
